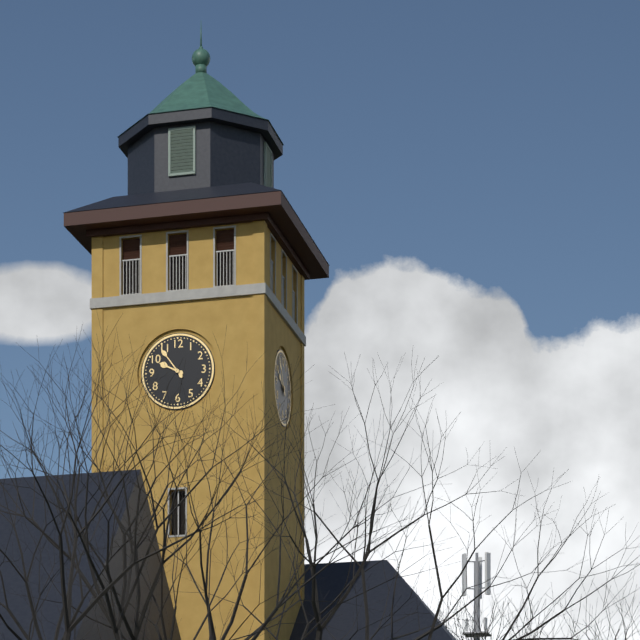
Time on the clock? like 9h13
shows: 9h54
